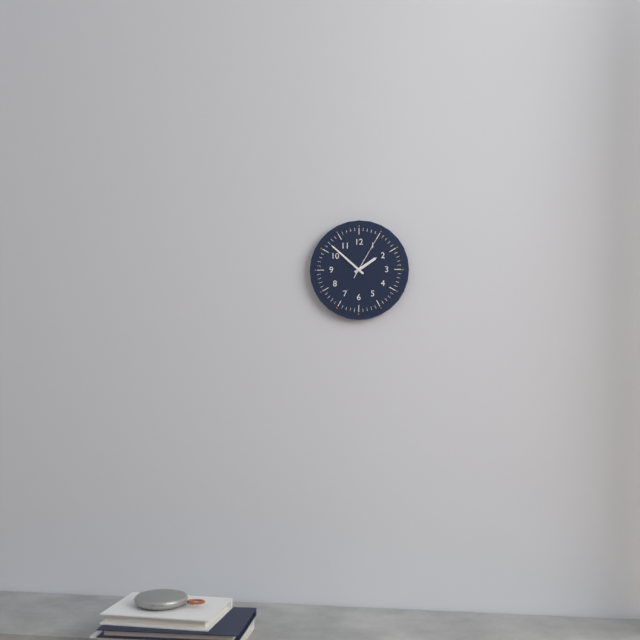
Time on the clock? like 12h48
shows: 1h52
